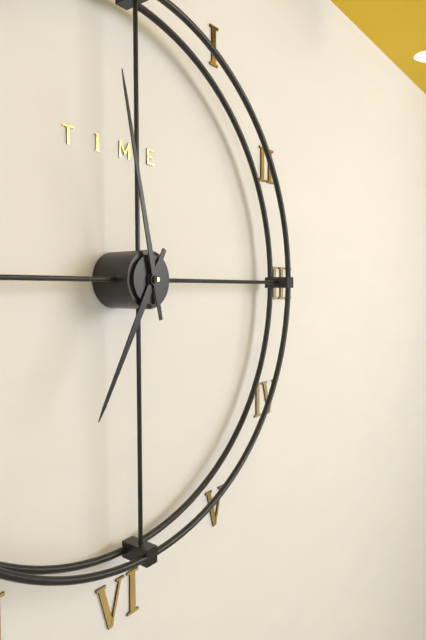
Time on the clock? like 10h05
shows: 6h58
